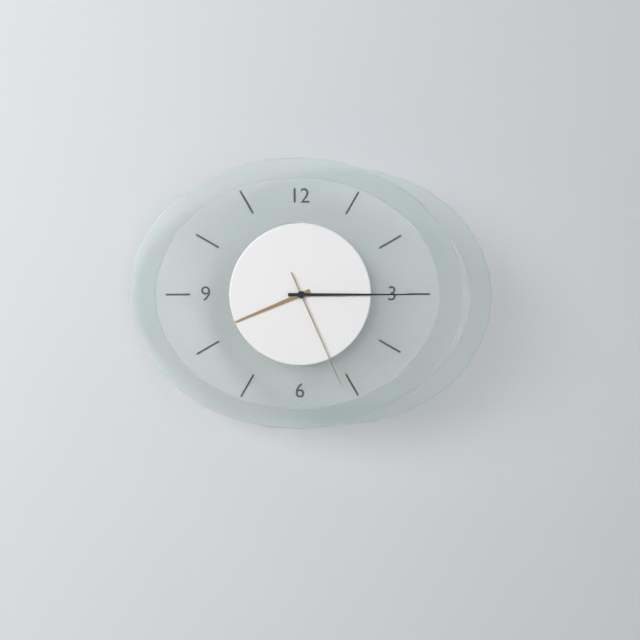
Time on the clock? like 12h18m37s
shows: 8h15m26s
